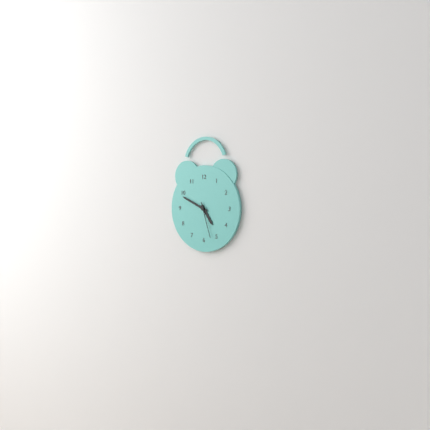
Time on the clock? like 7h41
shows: 4h49
